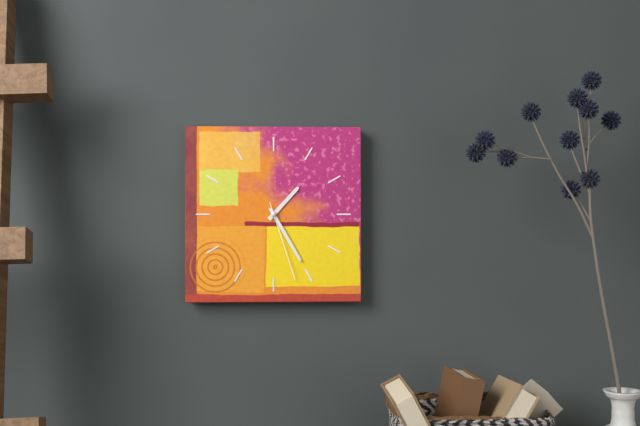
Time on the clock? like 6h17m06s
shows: 1h25m27s
